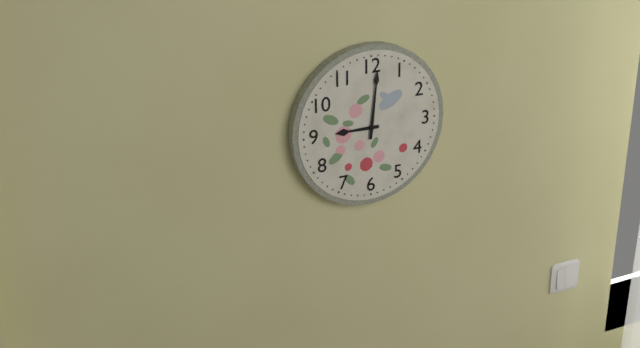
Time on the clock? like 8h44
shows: 9h01
